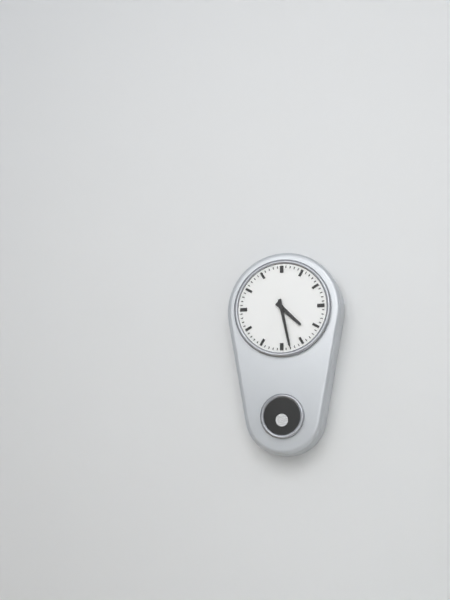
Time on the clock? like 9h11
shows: 4h28
